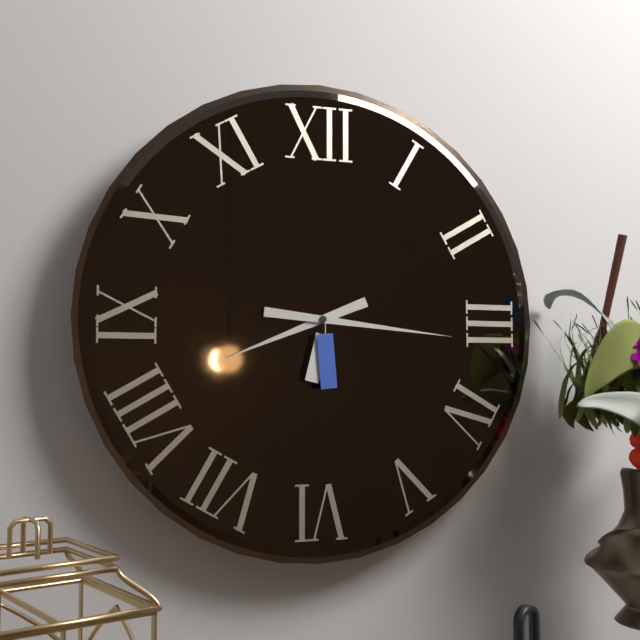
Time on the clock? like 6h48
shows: 8h16
